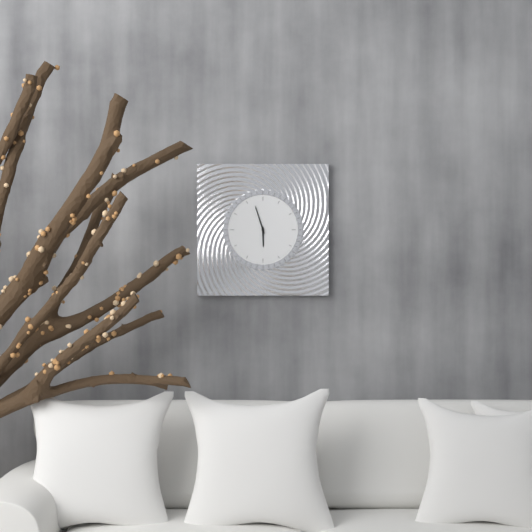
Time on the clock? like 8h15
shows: 5h57
